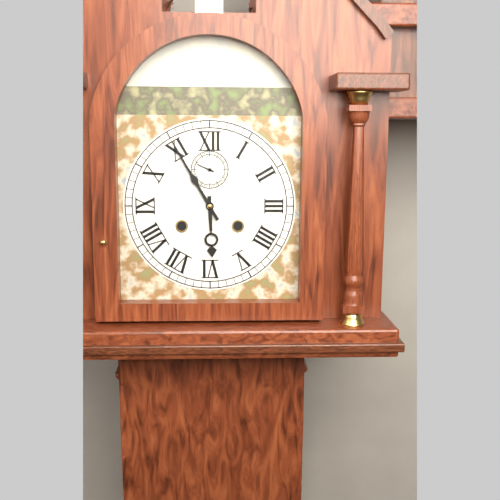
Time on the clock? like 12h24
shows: 5h55
